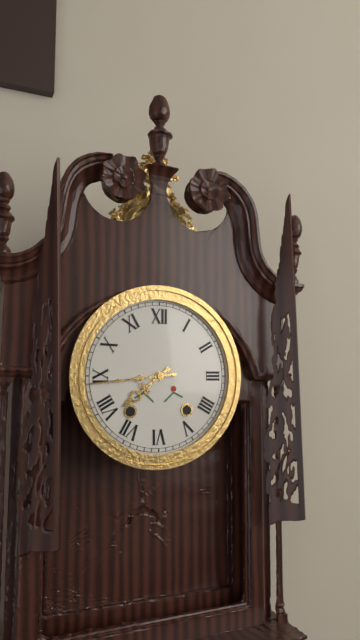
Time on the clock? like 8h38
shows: 7h44
